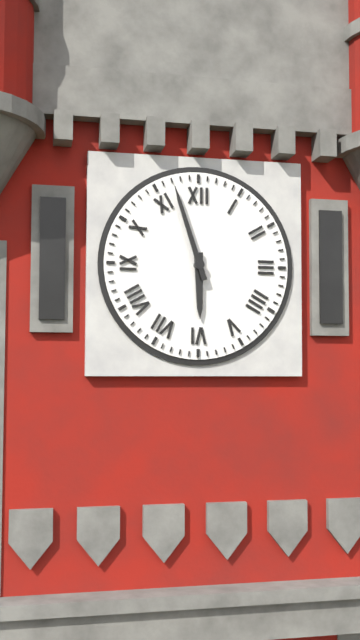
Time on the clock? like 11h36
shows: 5h57
